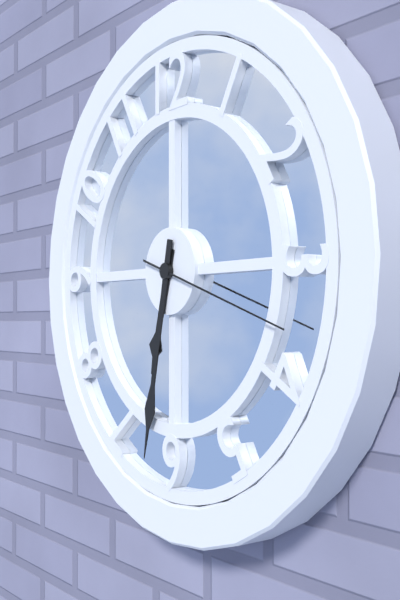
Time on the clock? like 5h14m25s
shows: 6h32m18s
